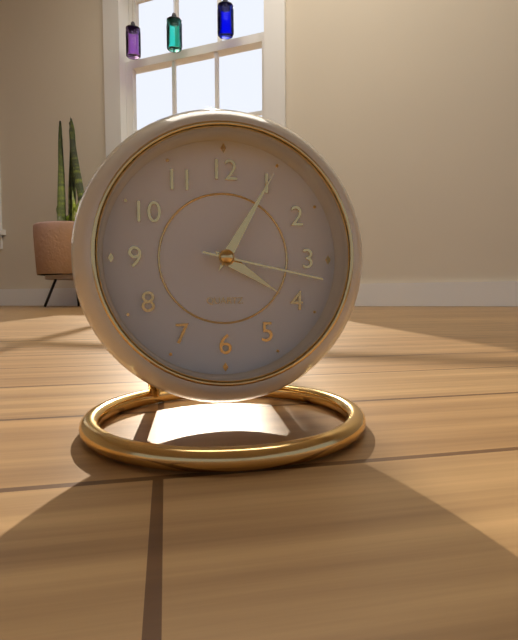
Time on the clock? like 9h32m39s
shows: 4h05m17s
